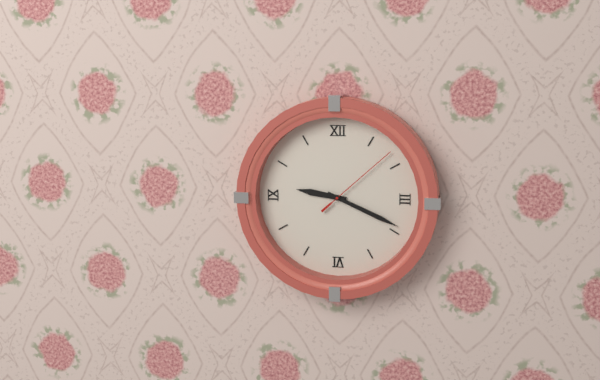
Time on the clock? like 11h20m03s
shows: 9h19m08s
